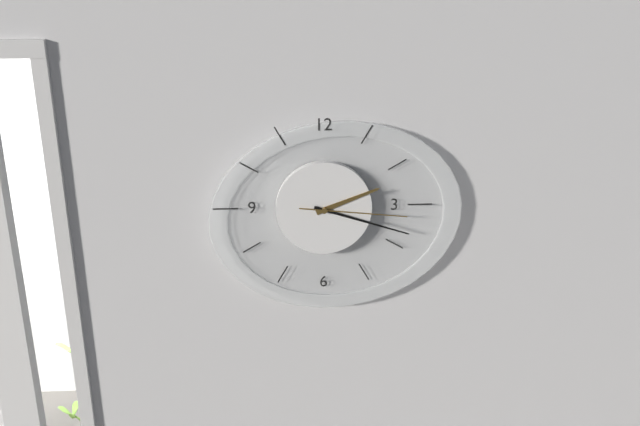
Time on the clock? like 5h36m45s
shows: 2h18m16s
